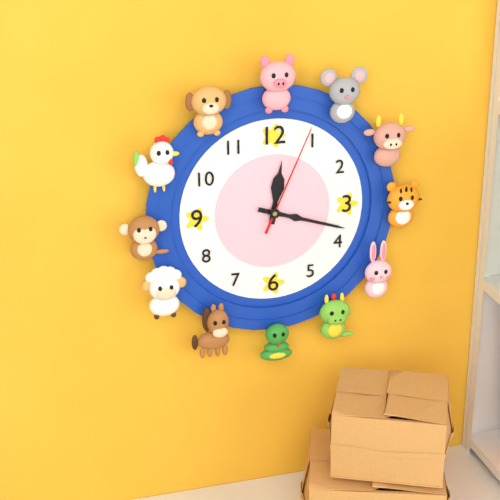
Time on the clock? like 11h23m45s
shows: 12h18m04s
